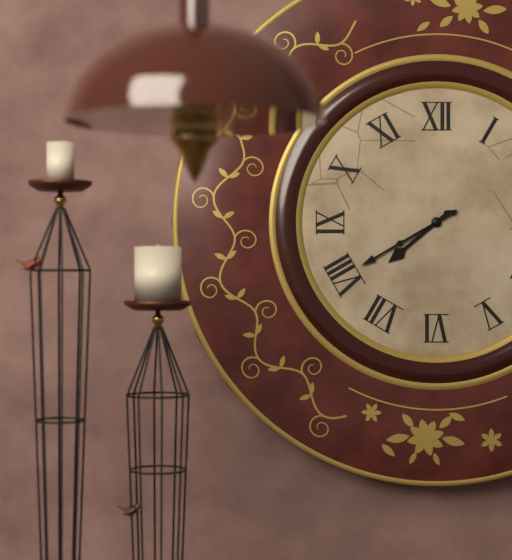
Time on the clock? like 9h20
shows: 7h40
